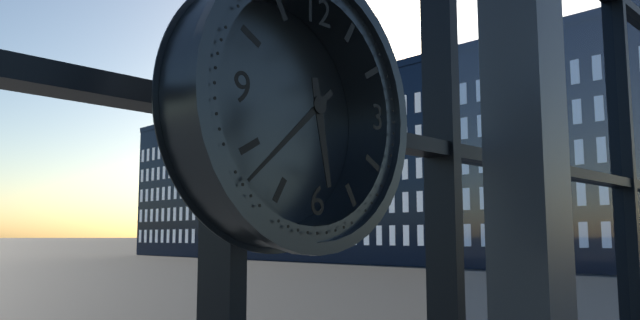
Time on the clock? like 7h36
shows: 5h38
